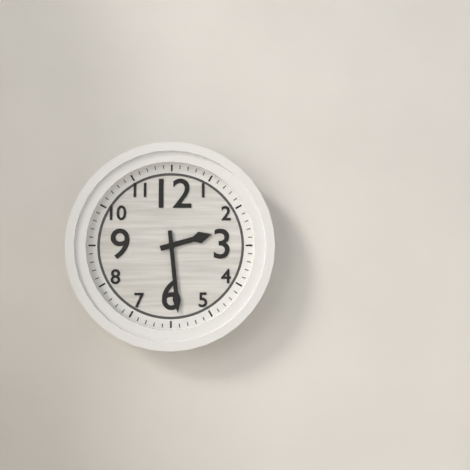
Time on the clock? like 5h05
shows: 2h29
